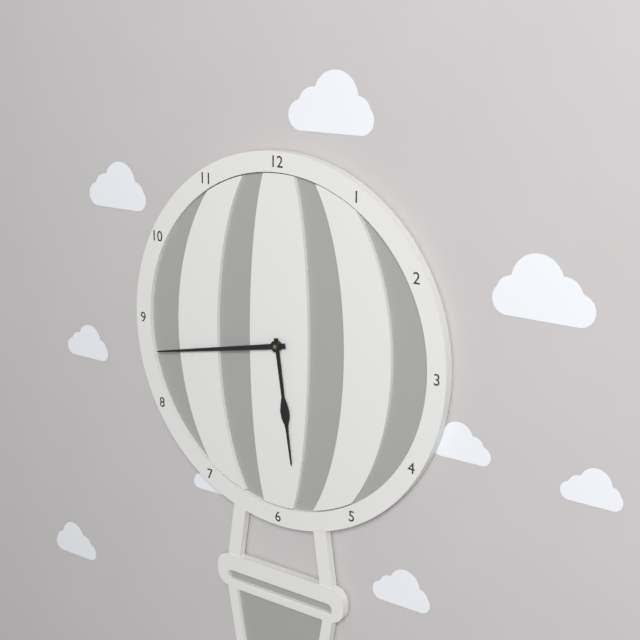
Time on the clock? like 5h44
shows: 5h43
